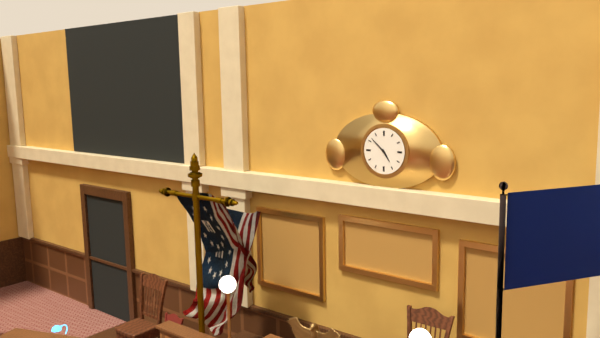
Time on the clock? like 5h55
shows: 4h52
